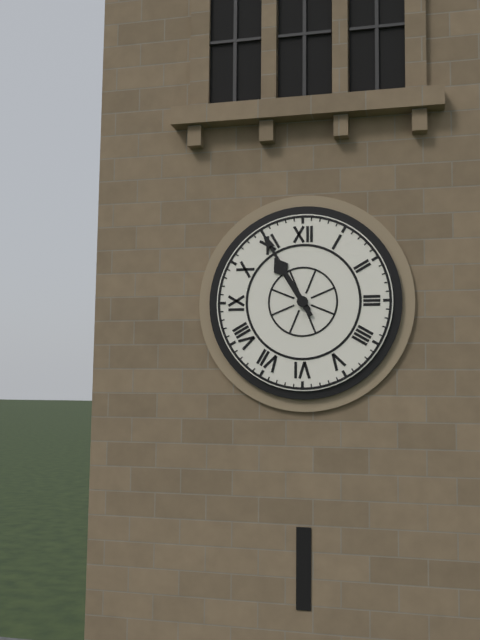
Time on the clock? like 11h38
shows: 10h55
